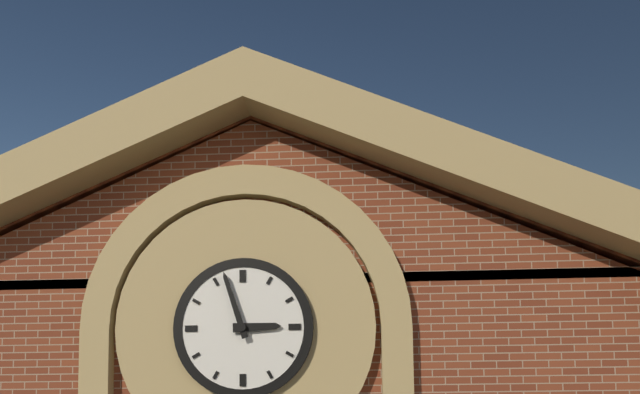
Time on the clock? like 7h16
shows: 2h57
